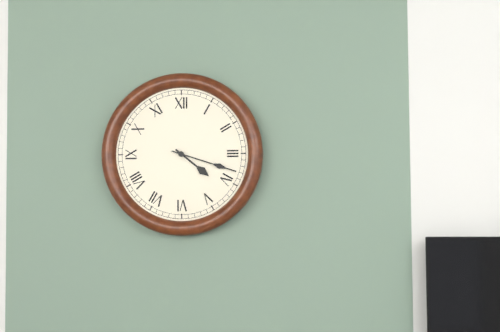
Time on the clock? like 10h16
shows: 4h18
